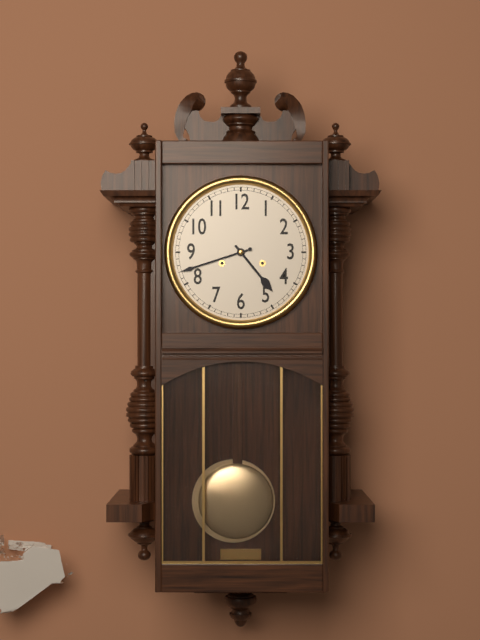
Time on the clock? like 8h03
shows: 4h42
